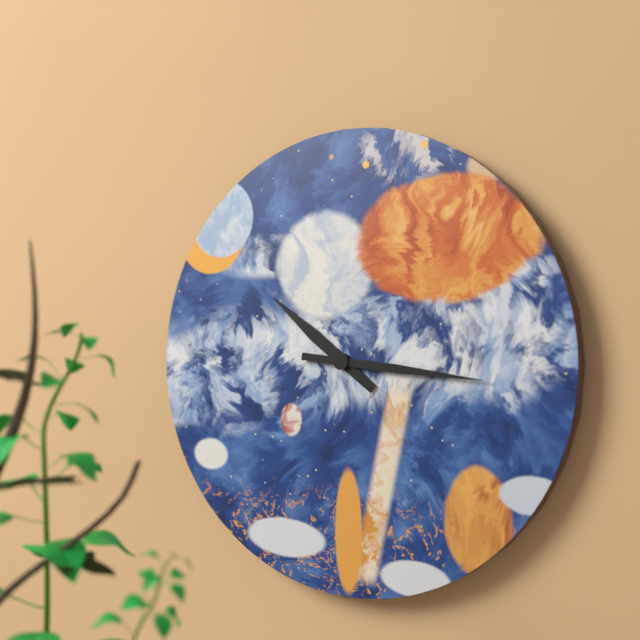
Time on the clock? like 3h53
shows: 10h16
